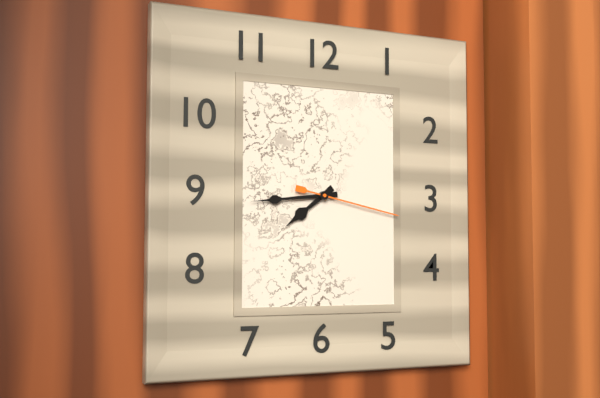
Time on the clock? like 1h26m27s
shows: 7h44m17s
